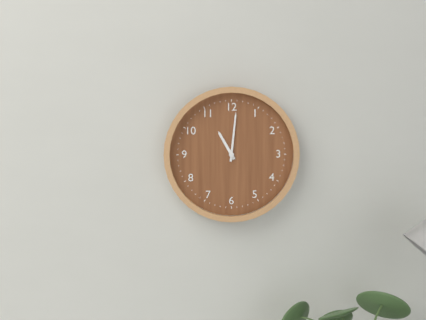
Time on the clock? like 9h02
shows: 11h01
